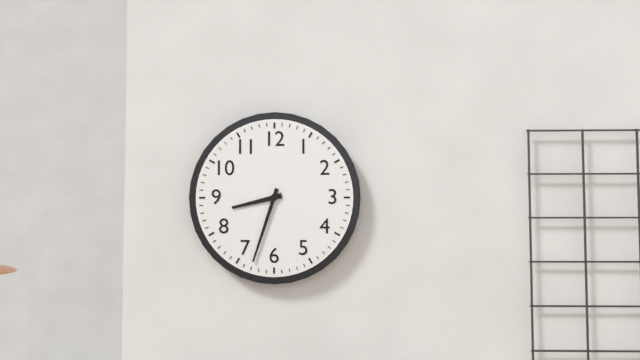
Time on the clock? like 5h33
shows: 8h33
